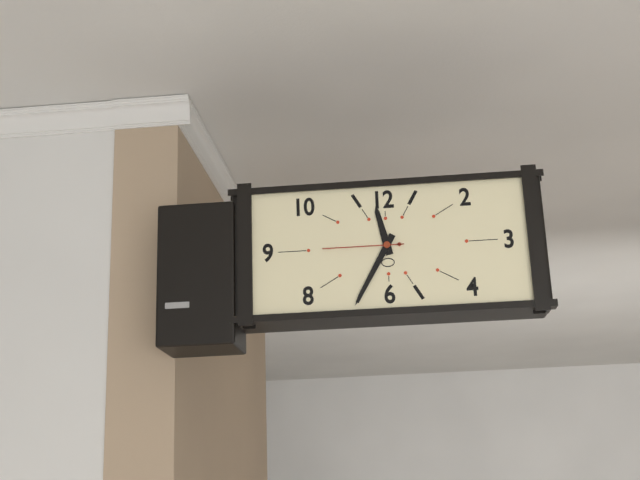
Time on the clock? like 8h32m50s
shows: 11h35m45s
